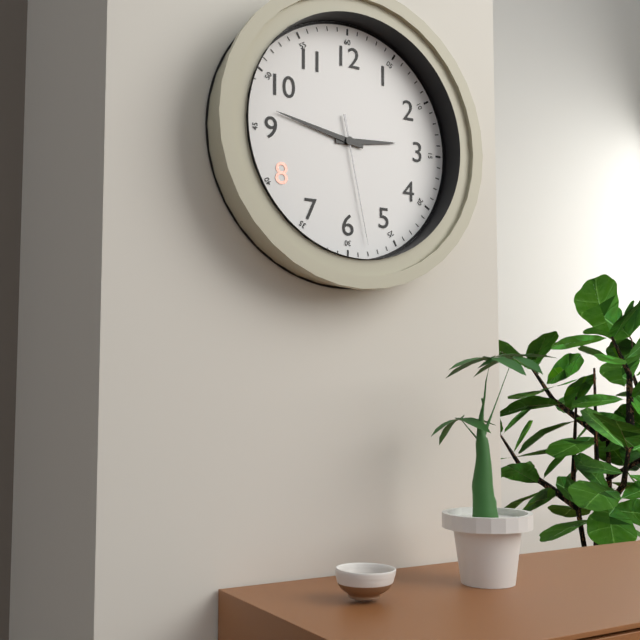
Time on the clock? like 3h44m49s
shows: 2h47m28s
